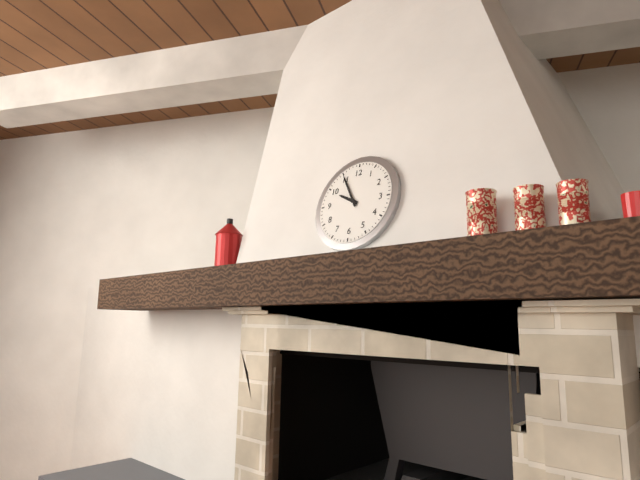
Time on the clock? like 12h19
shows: 9h55
